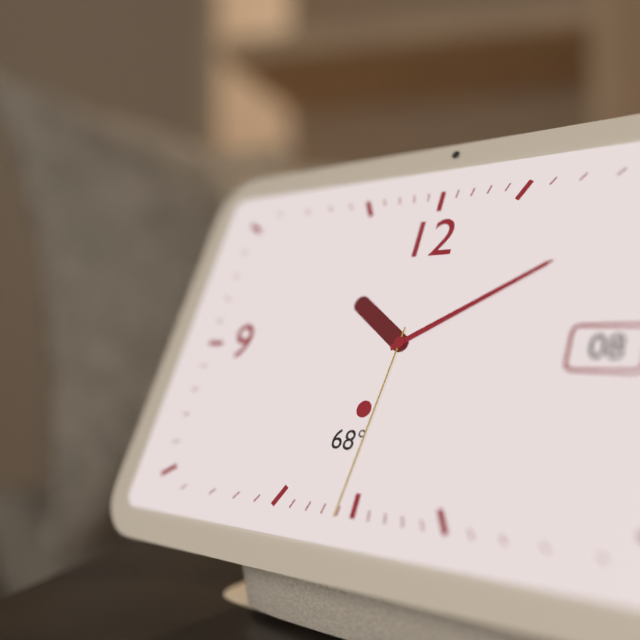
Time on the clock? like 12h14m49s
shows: 10h10m31s
